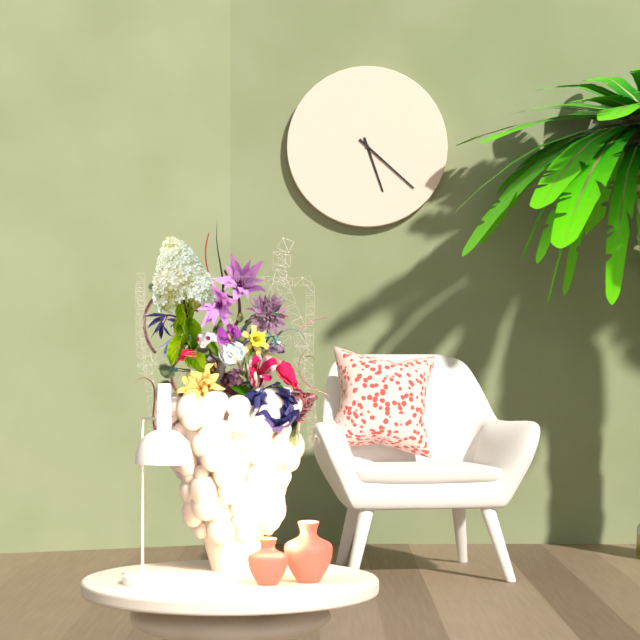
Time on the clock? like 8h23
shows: 5h22
